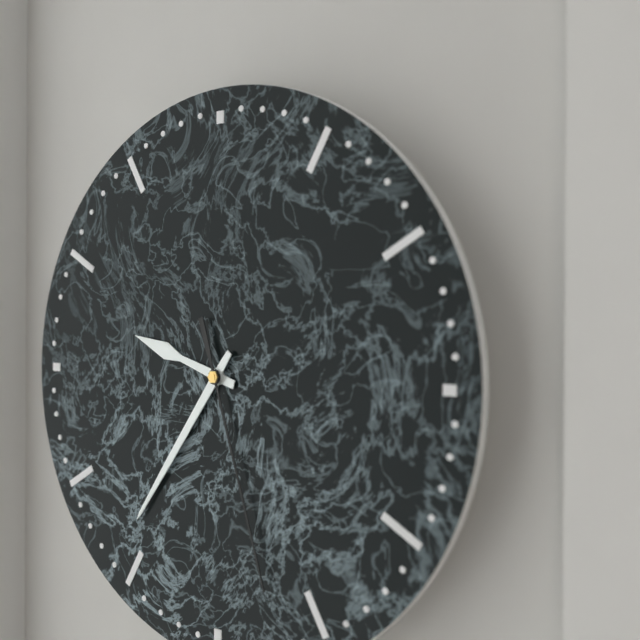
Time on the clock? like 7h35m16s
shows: 9h36m27s
